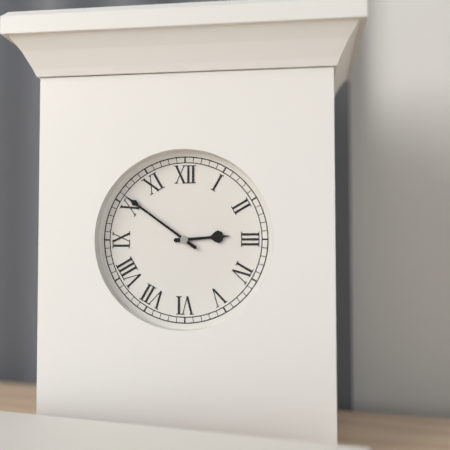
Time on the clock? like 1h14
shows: 2h51
